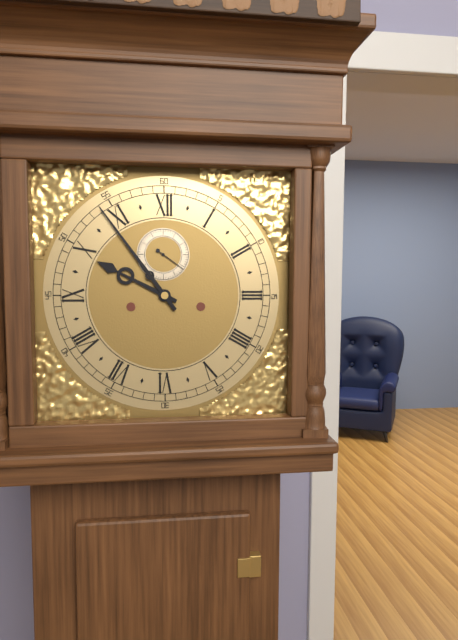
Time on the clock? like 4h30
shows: 9h54
